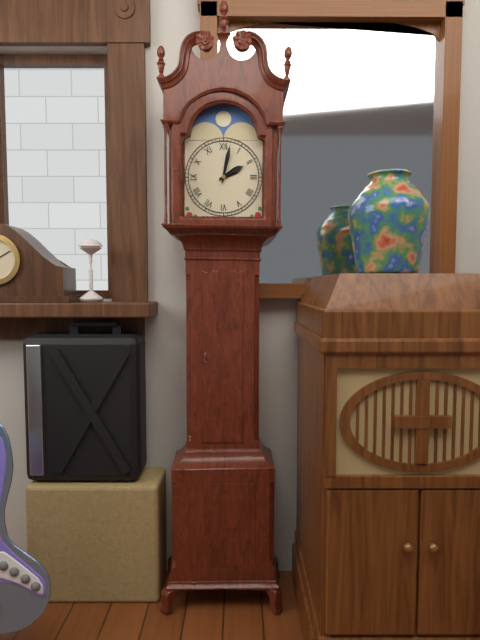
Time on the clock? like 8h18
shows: 2h02
